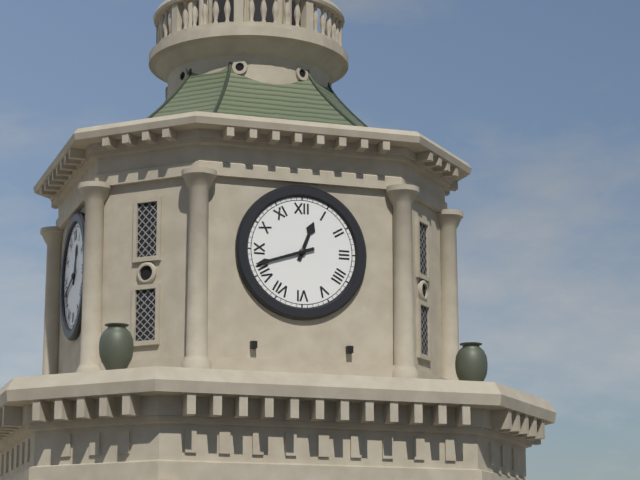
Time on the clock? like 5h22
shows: 12h42
